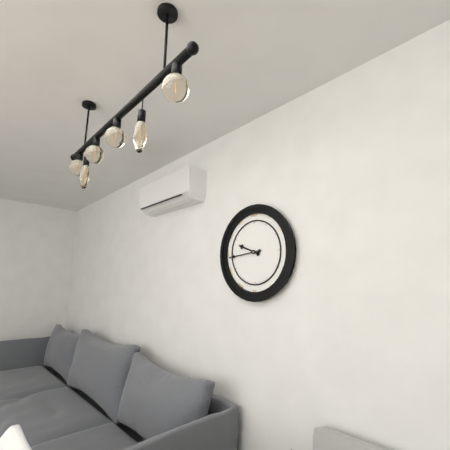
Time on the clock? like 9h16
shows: 9h44
